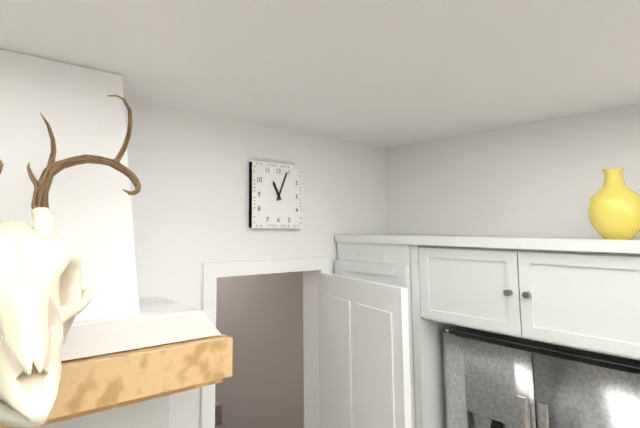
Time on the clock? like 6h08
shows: 11h04
